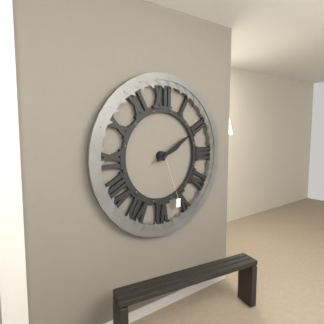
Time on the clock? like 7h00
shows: 2h10
